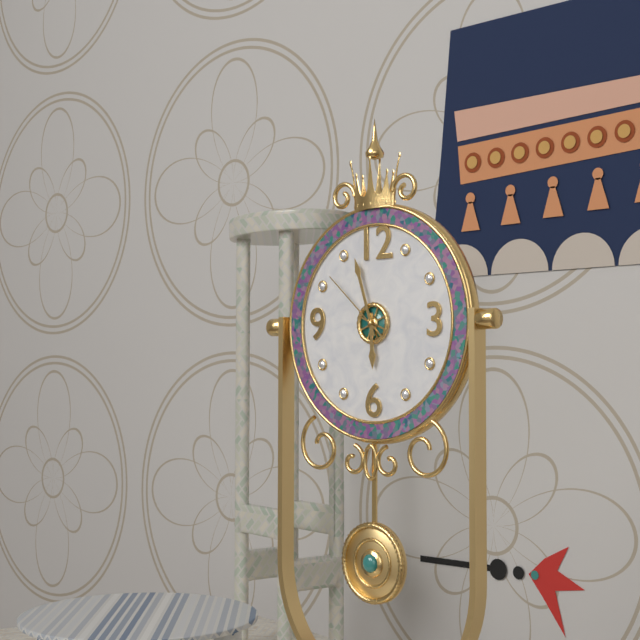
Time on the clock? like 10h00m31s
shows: 5h57m52s
